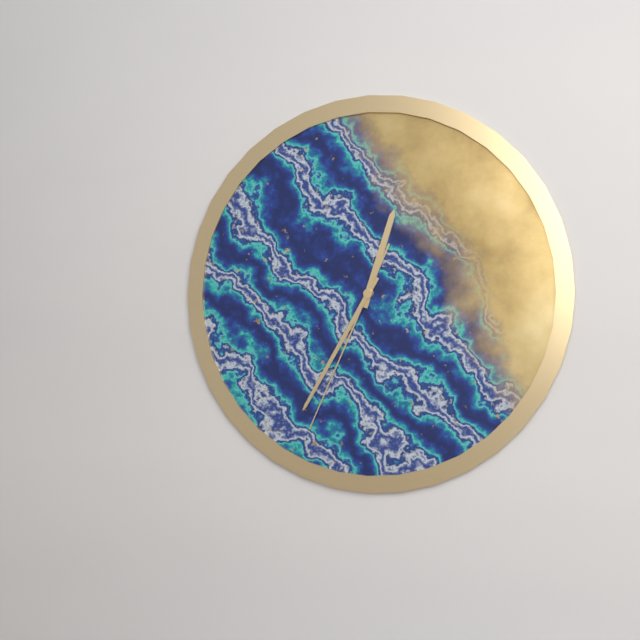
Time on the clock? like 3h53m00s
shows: 12h35m34s
